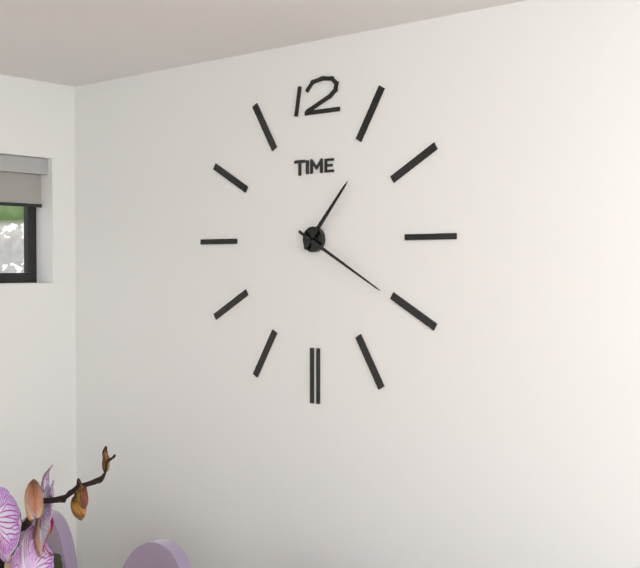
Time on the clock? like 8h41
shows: 1h20
